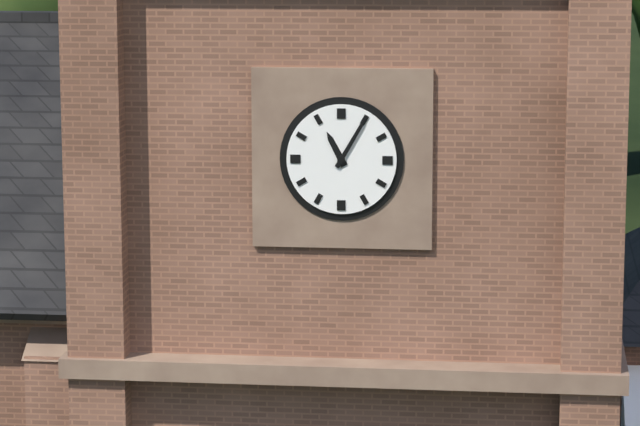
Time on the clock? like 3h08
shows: 11h05
